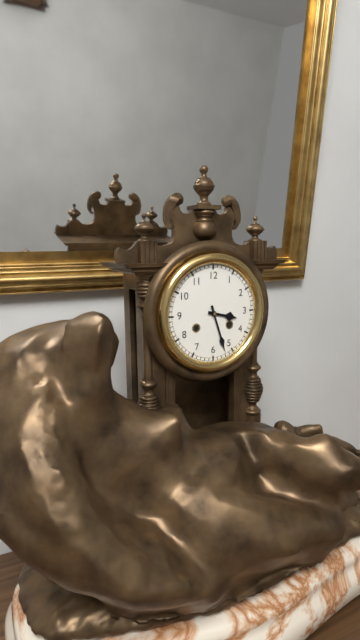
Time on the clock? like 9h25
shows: 3h27
